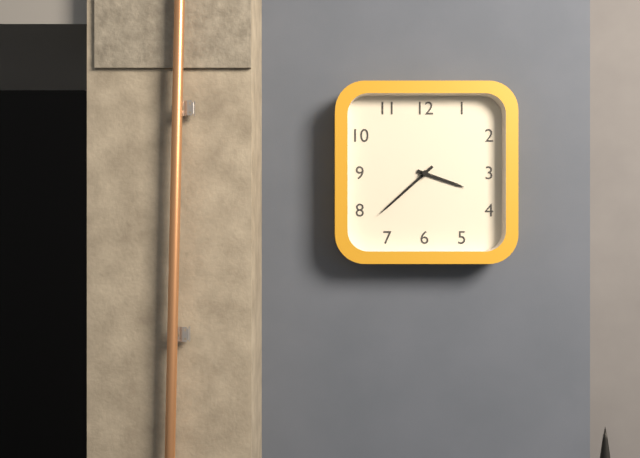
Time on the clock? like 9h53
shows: 3h38
